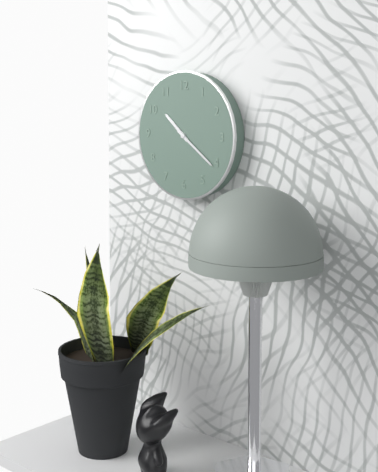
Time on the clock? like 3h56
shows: 10h21
